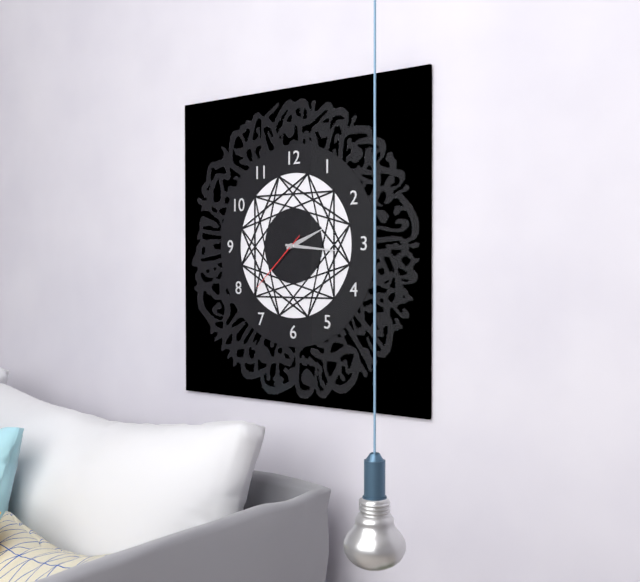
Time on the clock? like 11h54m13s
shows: 2h16m38s
